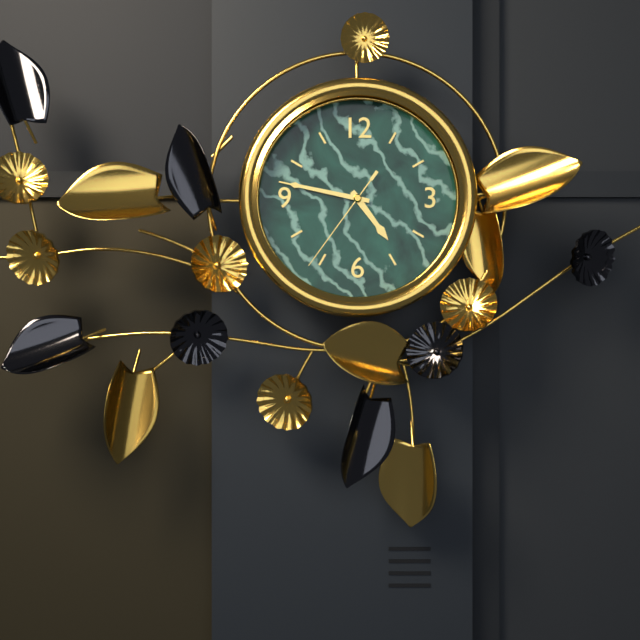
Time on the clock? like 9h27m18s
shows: 4h47m36s
